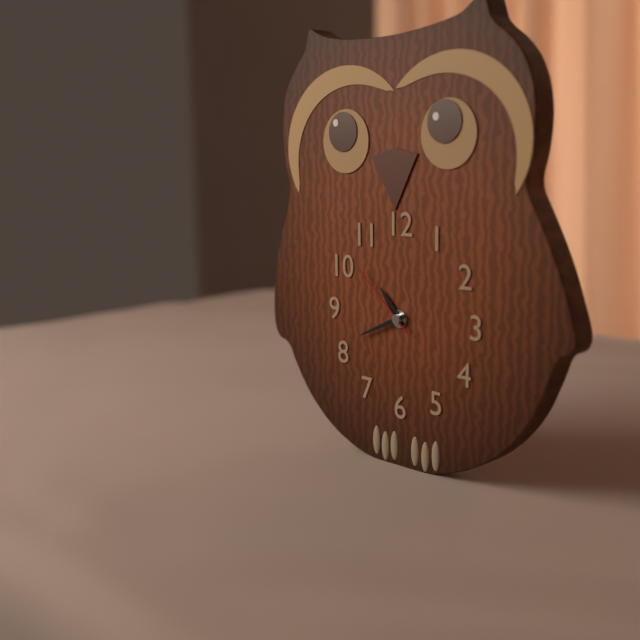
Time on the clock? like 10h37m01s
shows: 10h41m52s
